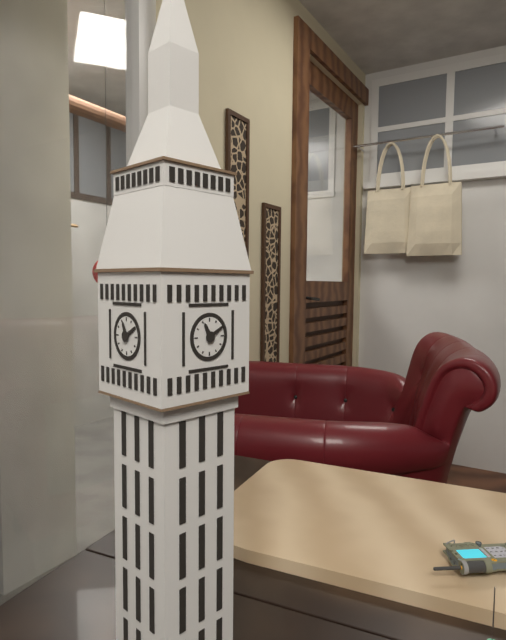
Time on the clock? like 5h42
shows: 11h10
